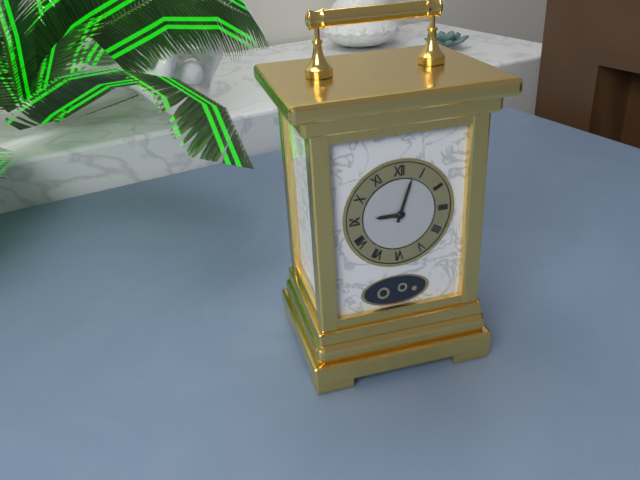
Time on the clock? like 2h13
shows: 9h03
